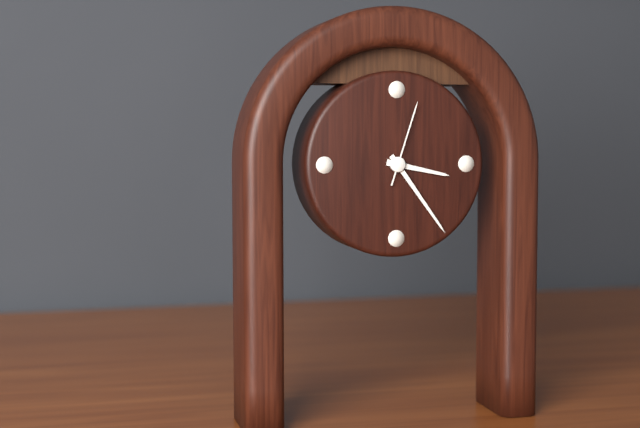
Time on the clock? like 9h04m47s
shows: 3h24m03s
